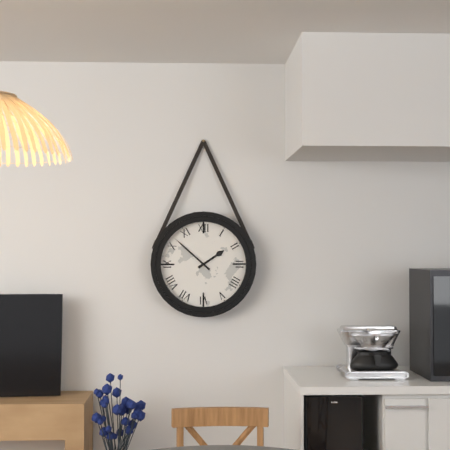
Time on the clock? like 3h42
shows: 1h52
